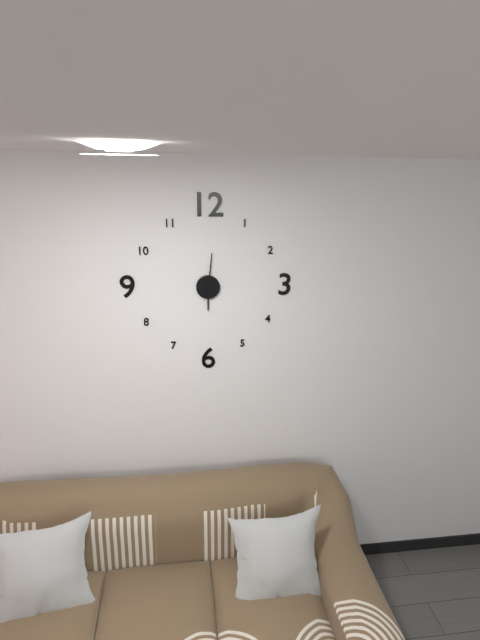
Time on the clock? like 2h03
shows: 6h01
